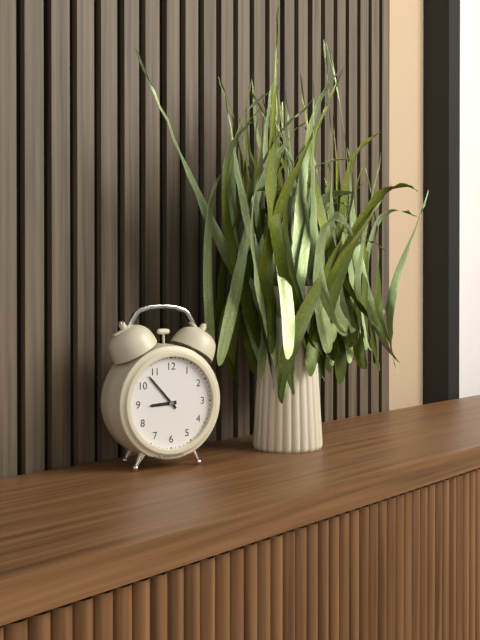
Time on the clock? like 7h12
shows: 8h53
